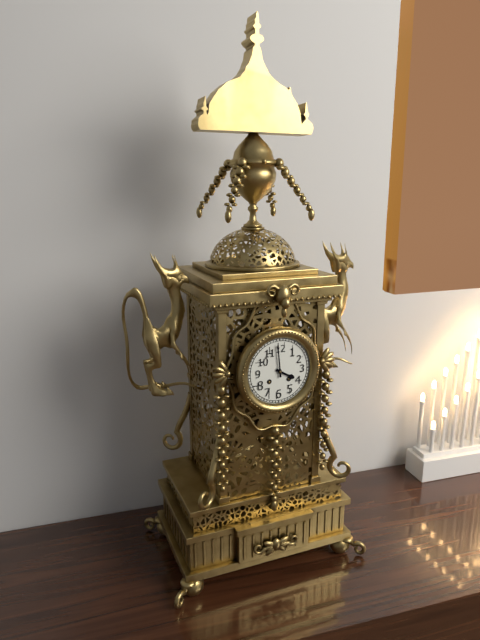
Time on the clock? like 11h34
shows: 3h59
